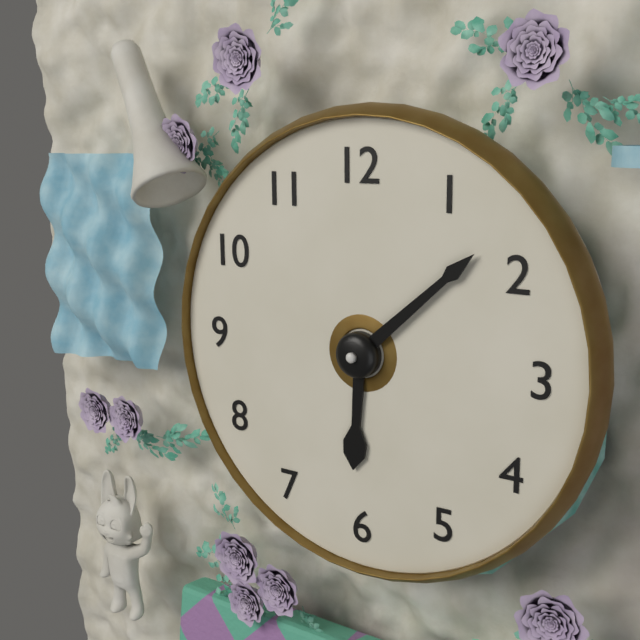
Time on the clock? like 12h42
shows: 6h08
